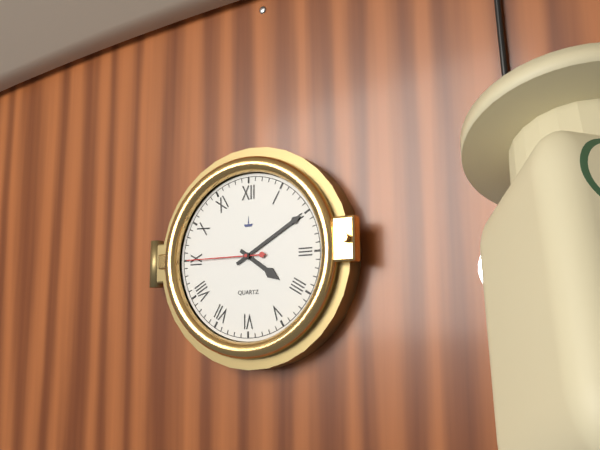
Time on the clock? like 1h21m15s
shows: 4h10m45s
